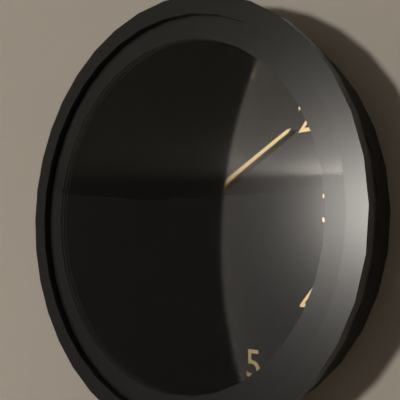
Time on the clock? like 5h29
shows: 12h10
